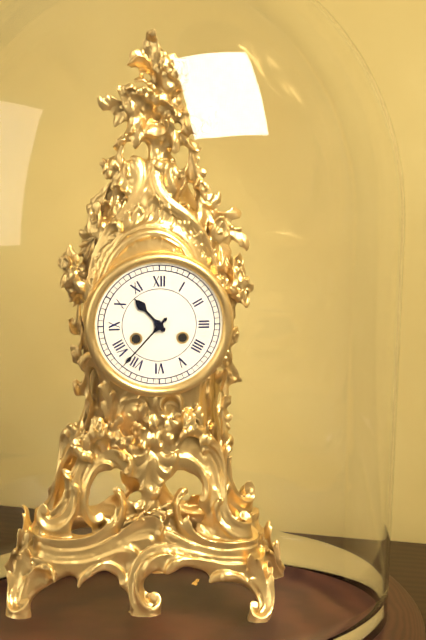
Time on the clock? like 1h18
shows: 10h37
